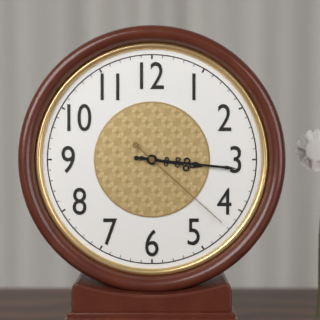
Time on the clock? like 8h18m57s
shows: 3h16m22s
